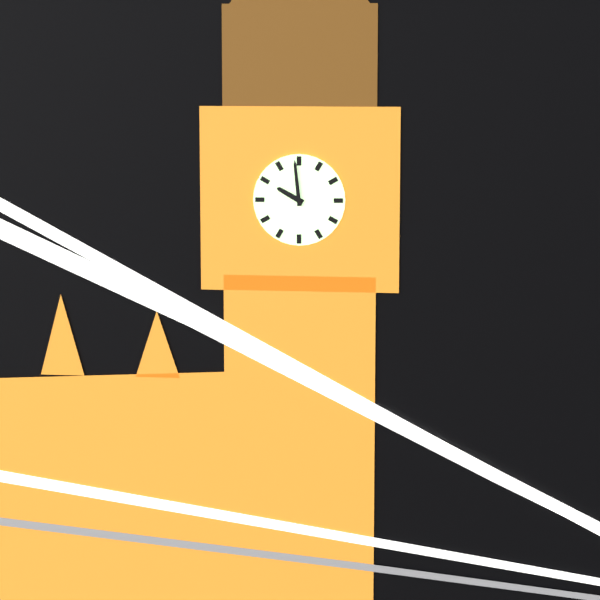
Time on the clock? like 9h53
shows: 9h59
